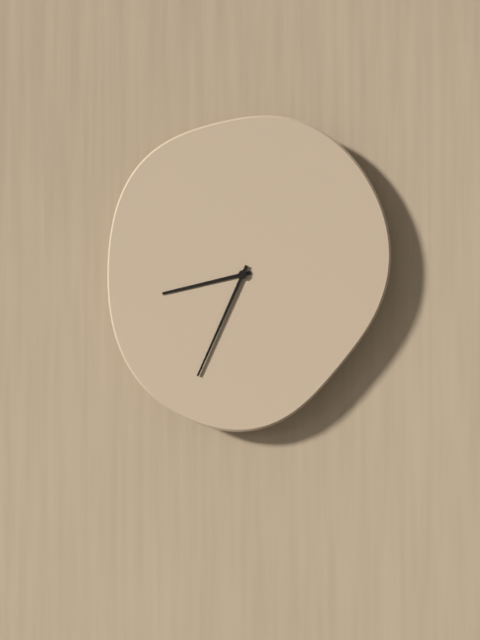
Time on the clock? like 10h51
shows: 8h34
